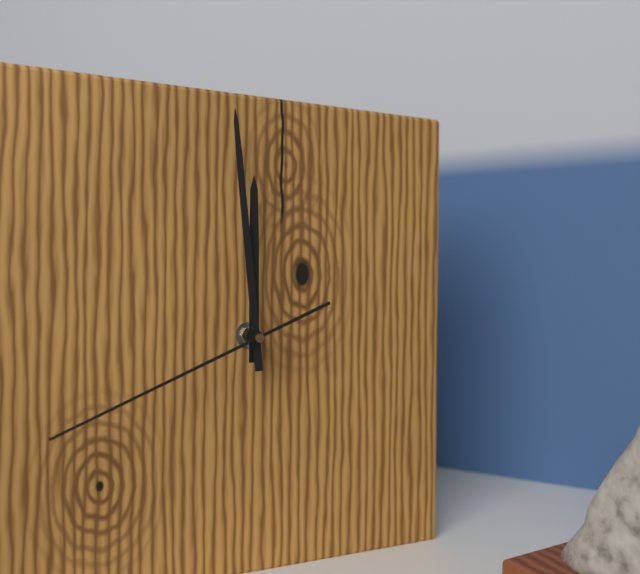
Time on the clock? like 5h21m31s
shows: 11h59m41s
